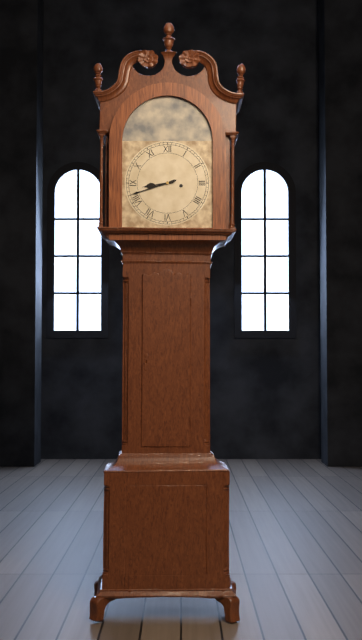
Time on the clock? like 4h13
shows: 8h42
